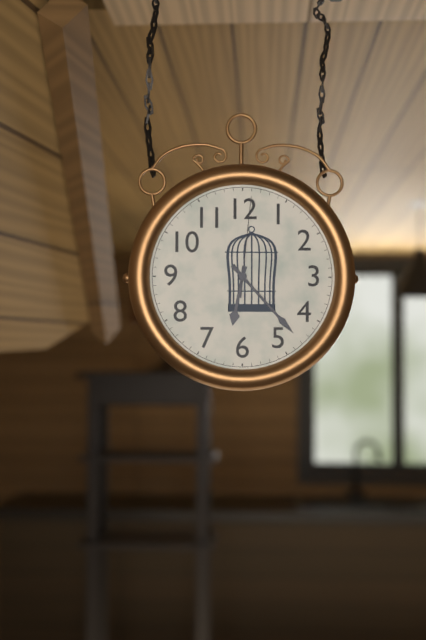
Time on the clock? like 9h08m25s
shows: 6h23m01s
